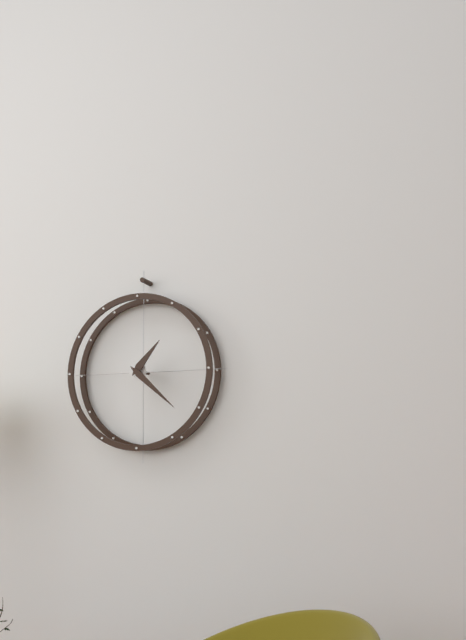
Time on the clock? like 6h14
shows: 1h22
